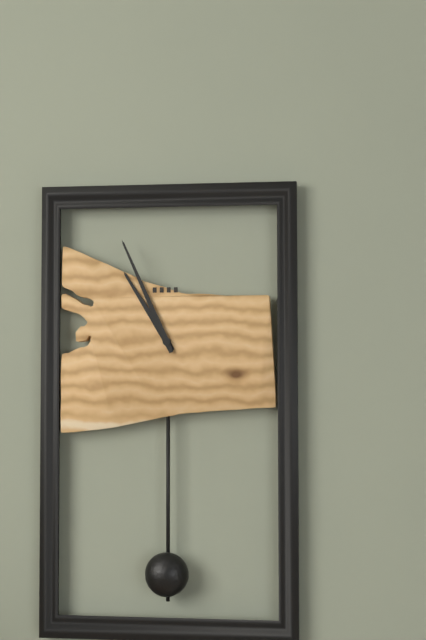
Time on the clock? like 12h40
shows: 10h56
